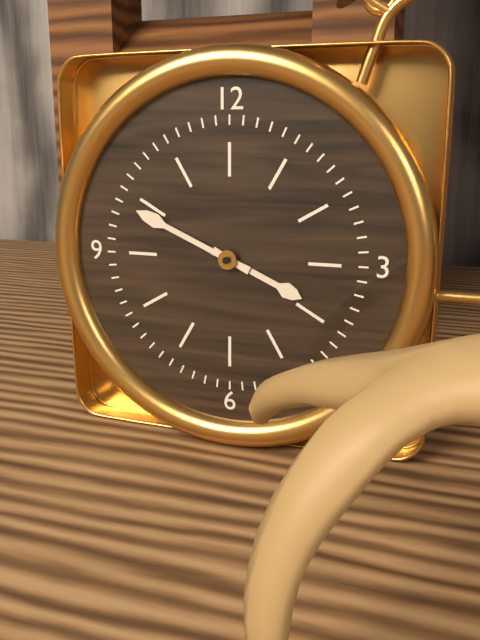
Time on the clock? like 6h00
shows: 3h49
